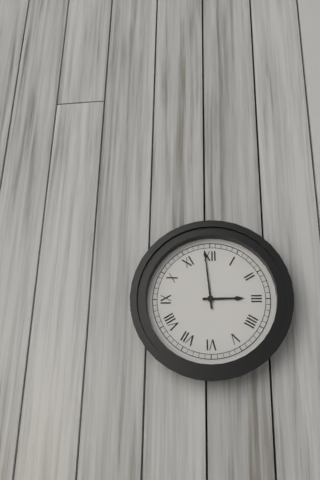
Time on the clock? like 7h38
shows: 2h59
